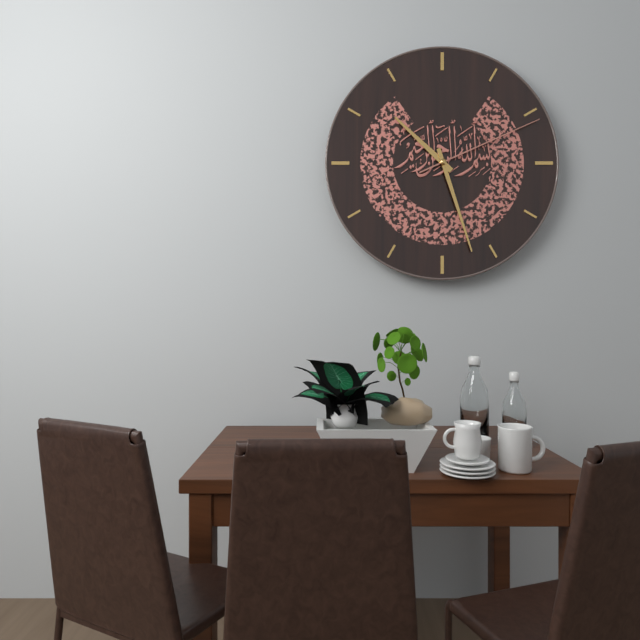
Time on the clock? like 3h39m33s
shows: 10h27m11s
